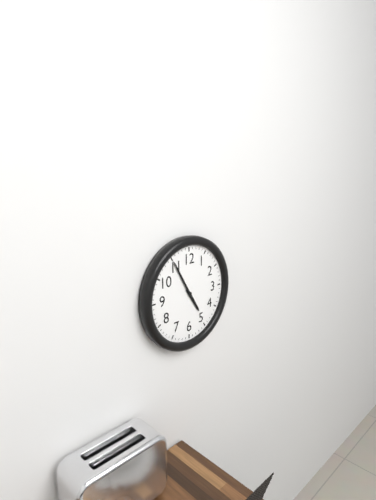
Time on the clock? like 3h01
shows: 4h55
